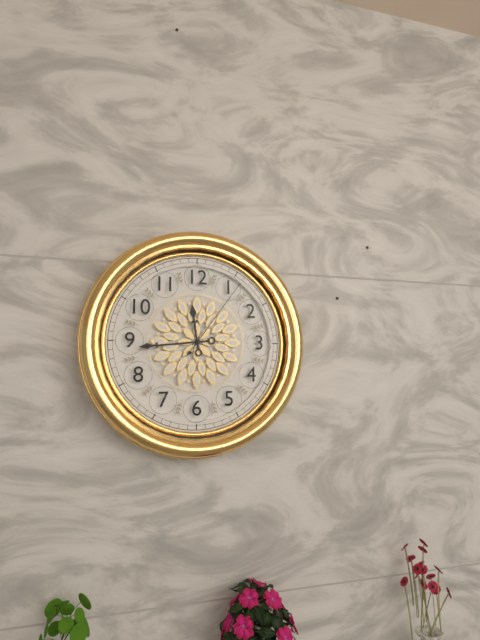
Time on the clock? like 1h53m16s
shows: 11h44m06s
